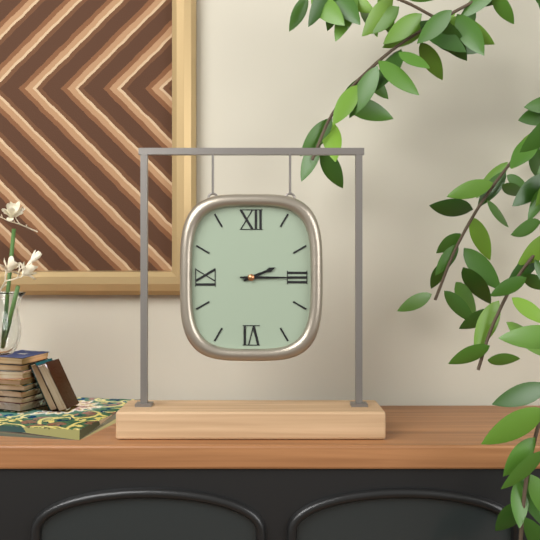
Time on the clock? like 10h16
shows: 2h15
